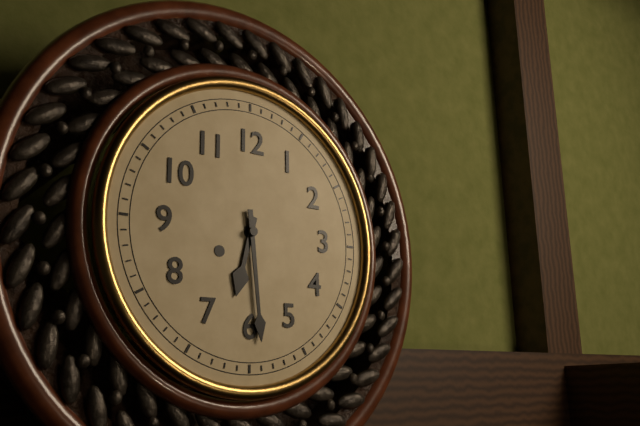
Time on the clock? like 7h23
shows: 6h29
